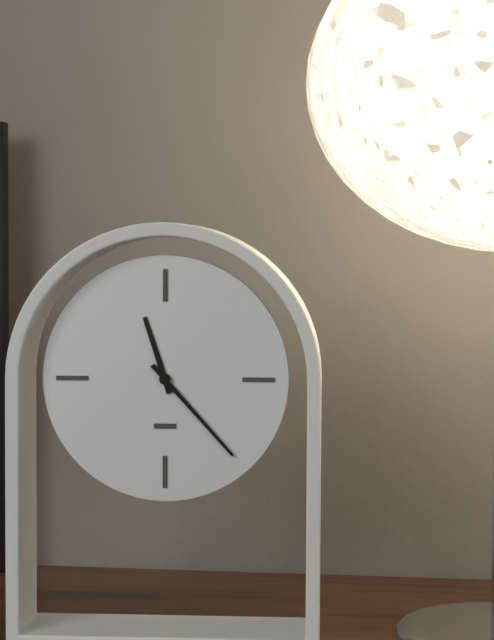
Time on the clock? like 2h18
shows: 11h23
